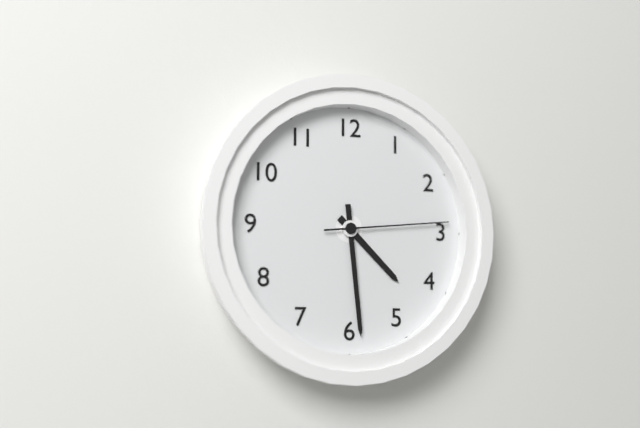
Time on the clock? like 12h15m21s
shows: 4h29m14s
